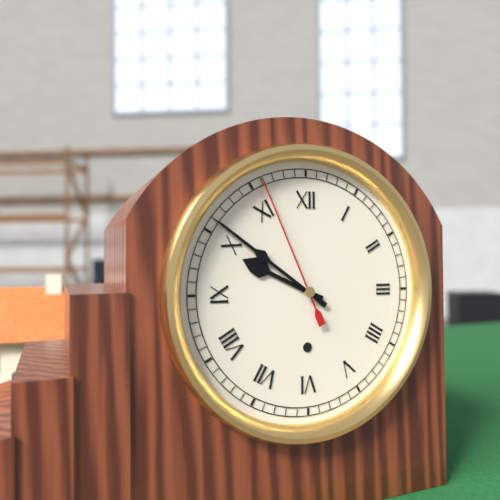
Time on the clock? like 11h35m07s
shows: 9h51m56s
